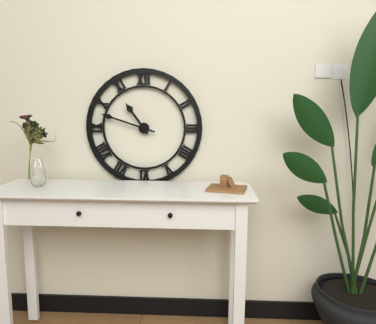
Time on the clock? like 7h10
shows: 10h48
